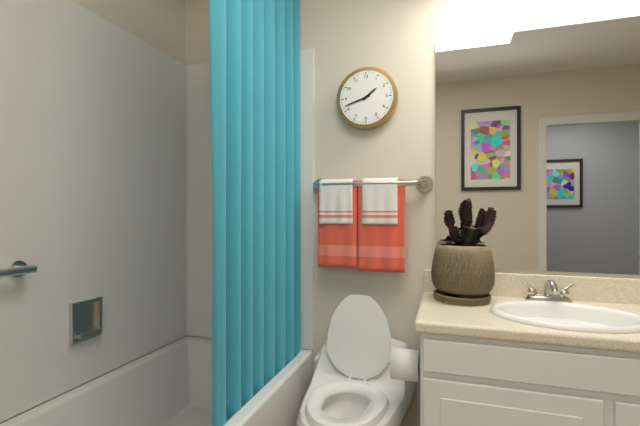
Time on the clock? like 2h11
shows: 1h42
